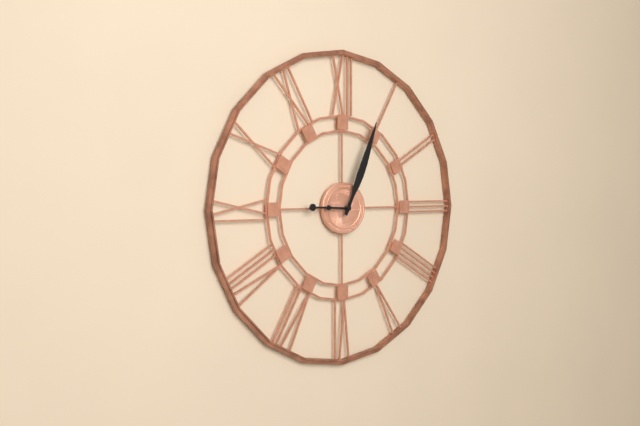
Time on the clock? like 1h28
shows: 9h04
